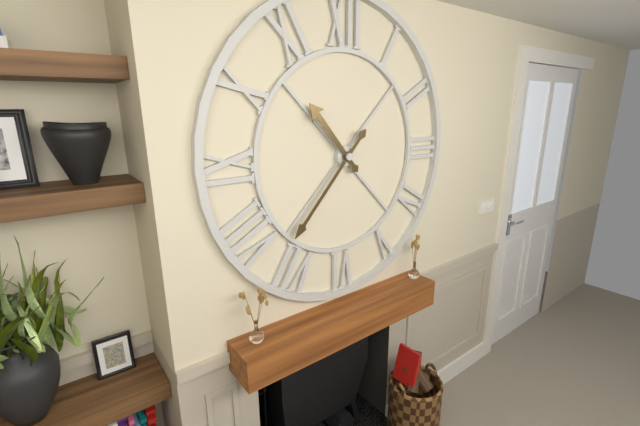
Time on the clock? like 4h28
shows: 10h37
